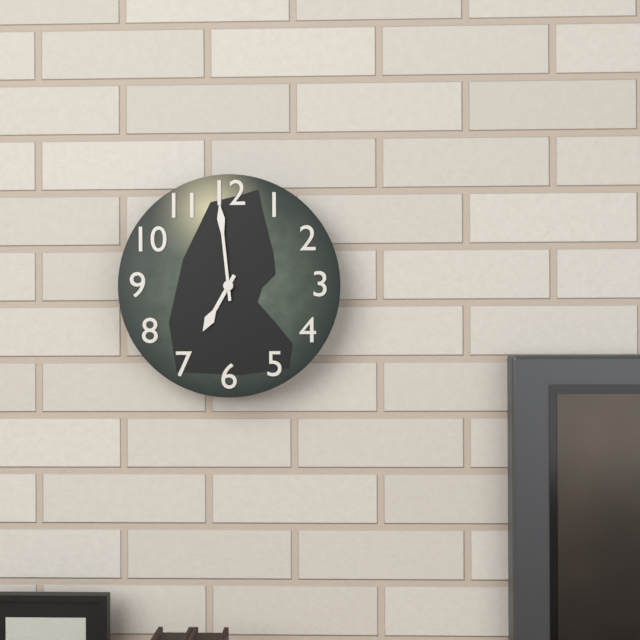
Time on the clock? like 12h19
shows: 6h59
